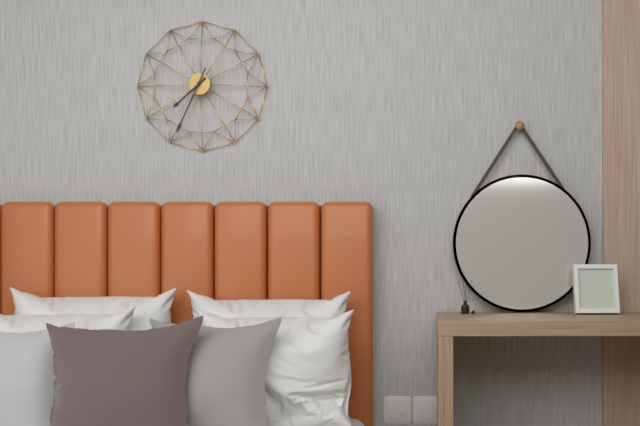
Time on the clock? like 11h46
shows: 7h34
